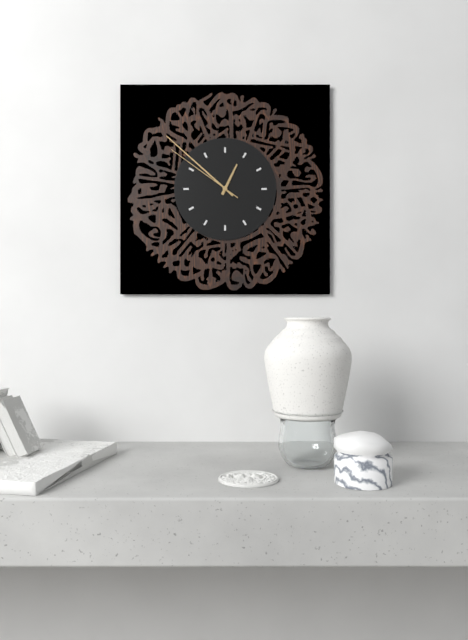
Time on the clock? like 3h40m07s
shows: 12h52m51s
